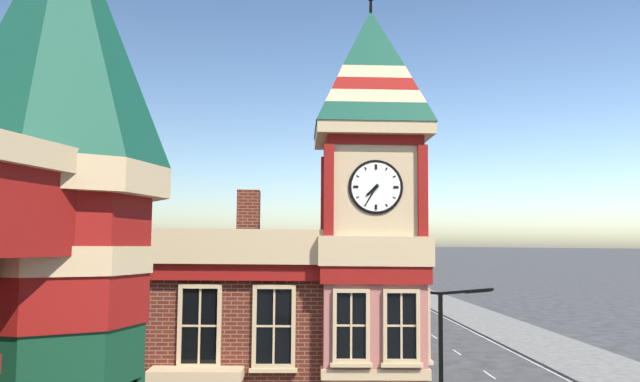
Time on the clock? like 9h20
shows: 7h35
